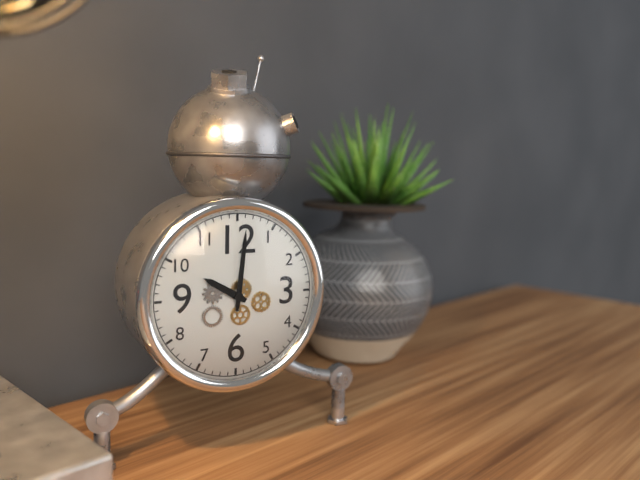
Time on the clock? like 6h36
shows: 10h01
